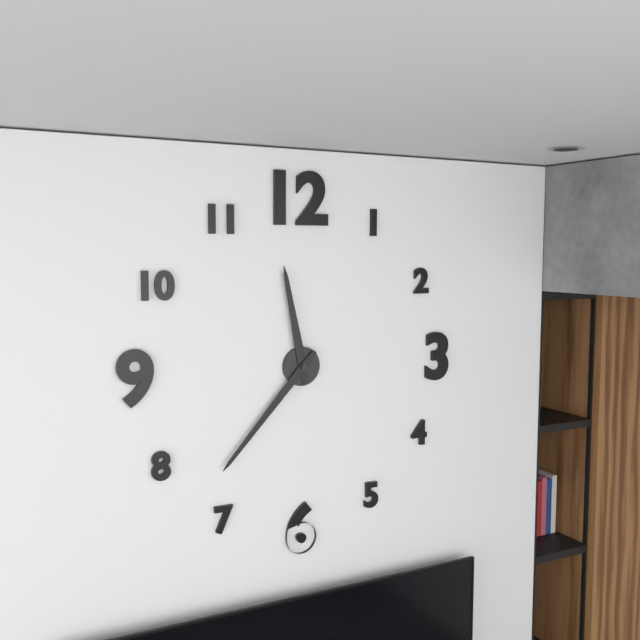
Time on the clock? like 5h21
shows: 11h37
